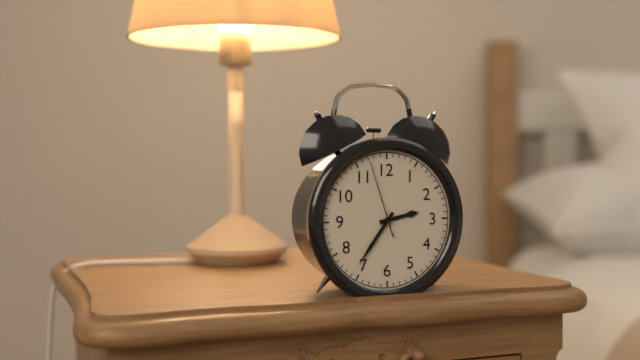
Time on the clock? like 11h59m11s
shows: 2h36m57s
